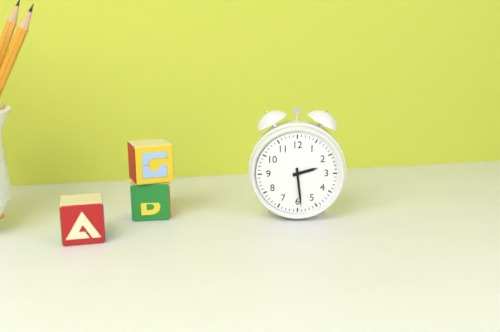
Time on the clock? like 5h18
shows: 2h29
